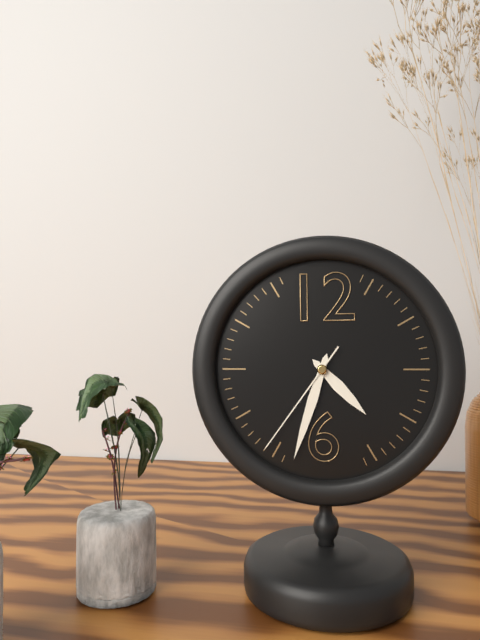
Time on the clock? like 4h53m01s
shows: 4h33m36s
